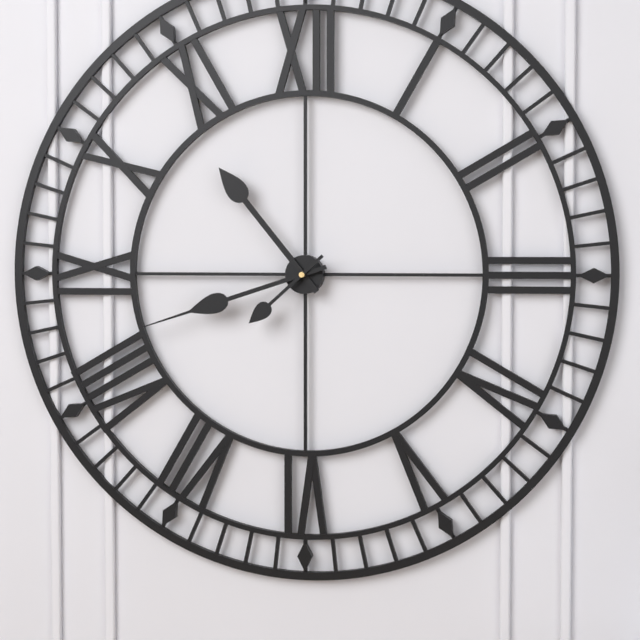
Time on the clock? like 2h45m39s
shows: 10h42m38s
